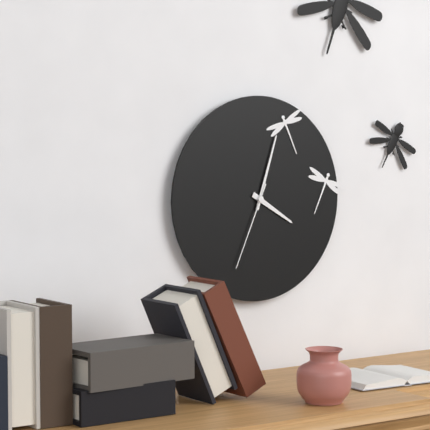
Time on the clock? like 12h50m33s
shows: 4h03m34s
